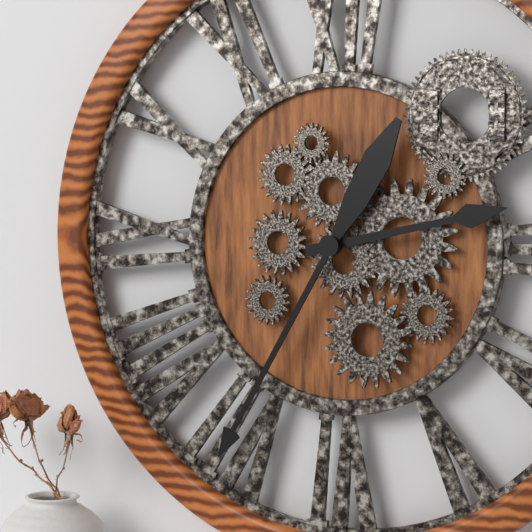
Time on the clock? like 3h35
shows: 2h35
